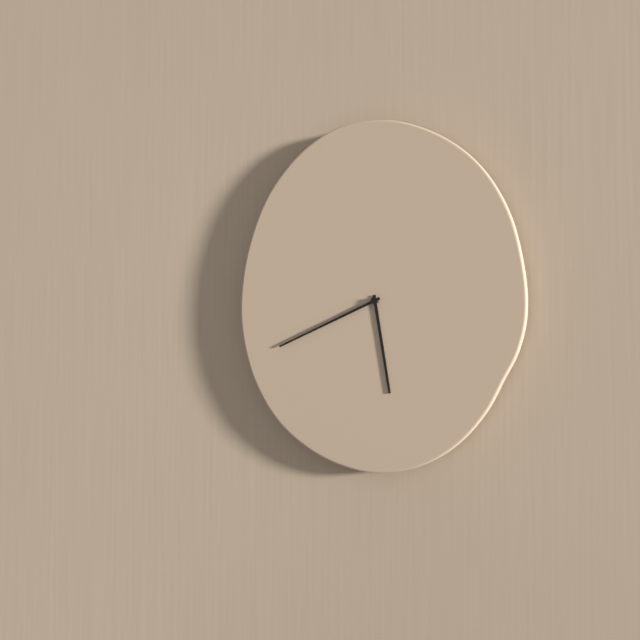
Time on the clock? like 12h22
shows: 5h41
